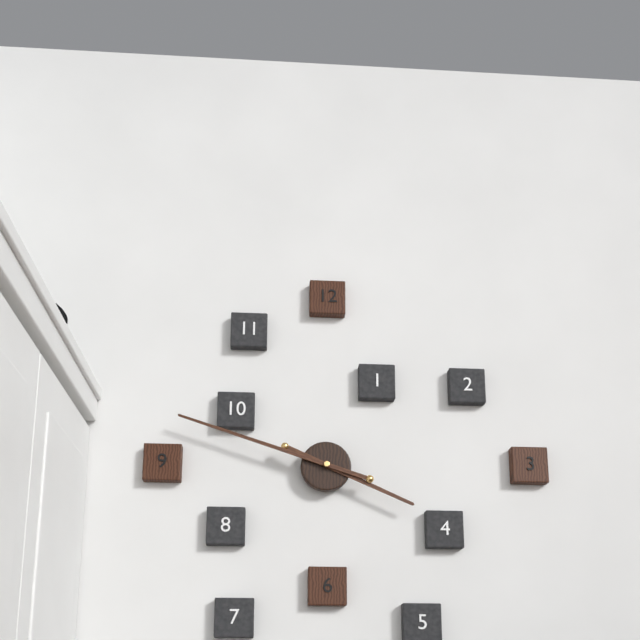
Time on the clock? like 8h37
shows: 3h48
